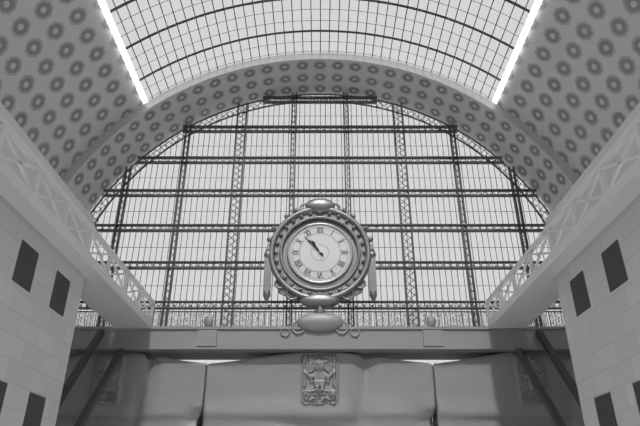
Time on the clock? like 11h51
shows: 10h53
